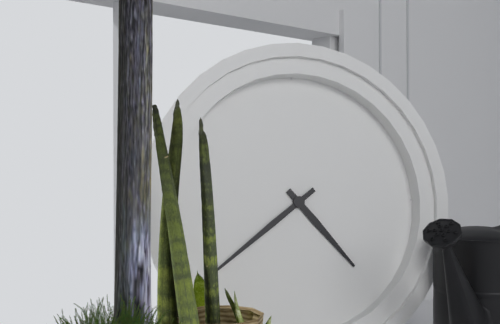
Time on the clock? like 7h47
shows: 4h39
